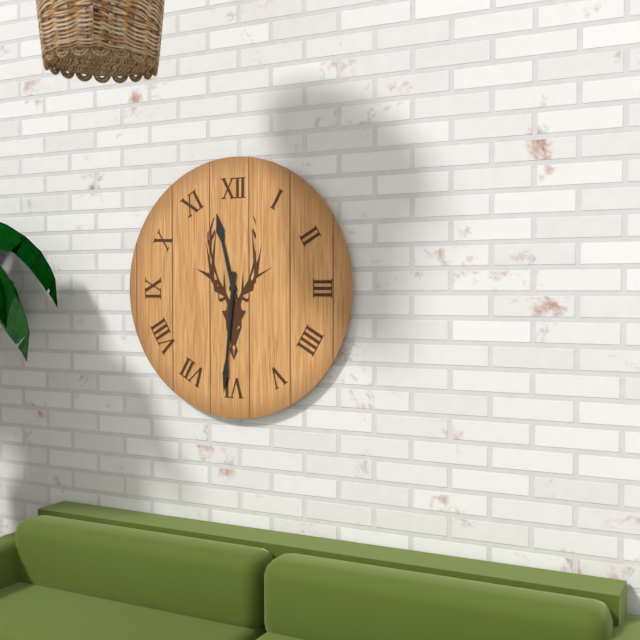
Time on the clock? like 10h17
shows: 11h31
